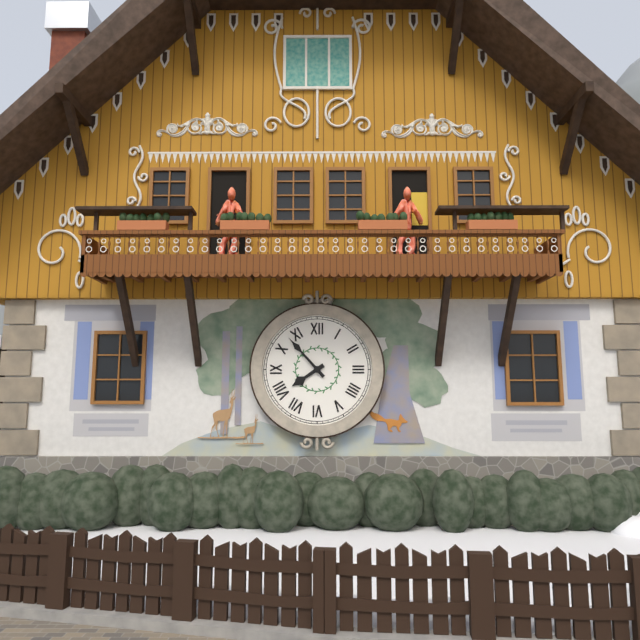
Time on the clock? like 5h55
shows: 7h53
